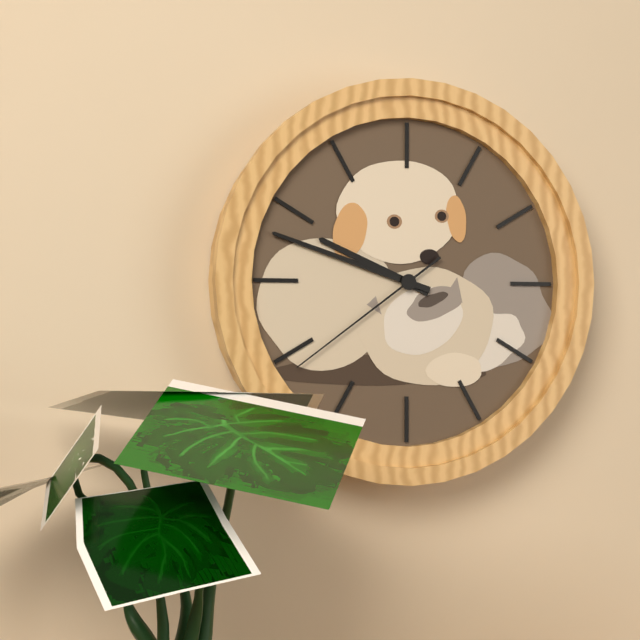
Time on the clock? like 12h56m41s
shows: 9h48m39s
